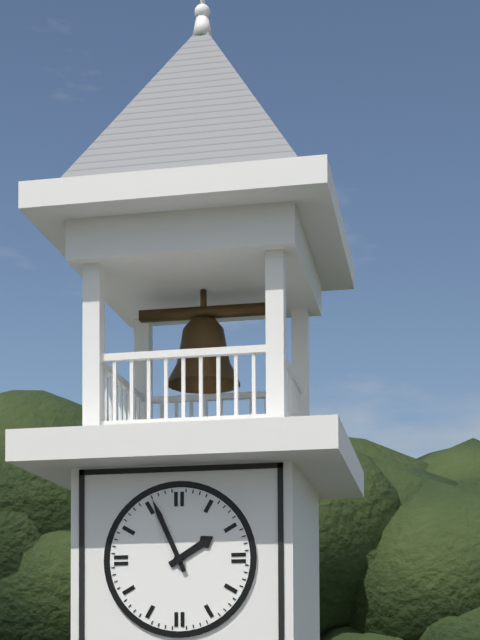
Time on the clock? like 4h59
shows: 1h56
